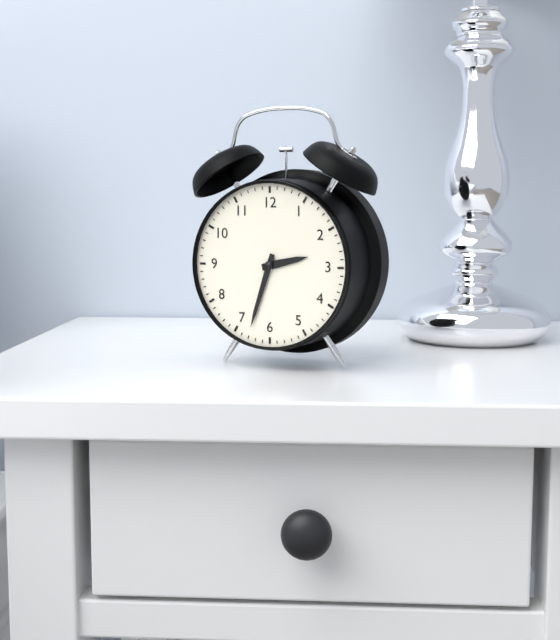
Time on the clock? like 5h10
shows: 2h33
